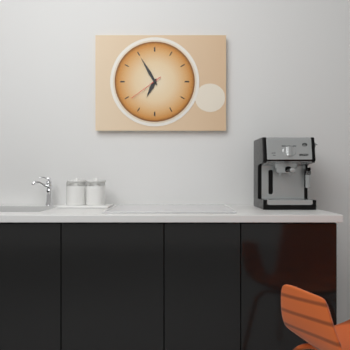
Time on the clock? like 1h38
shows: 6h55
